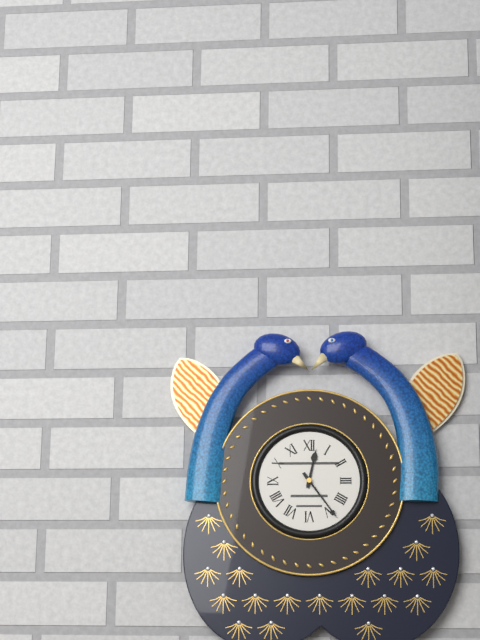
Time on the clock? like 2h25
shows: 12h24
